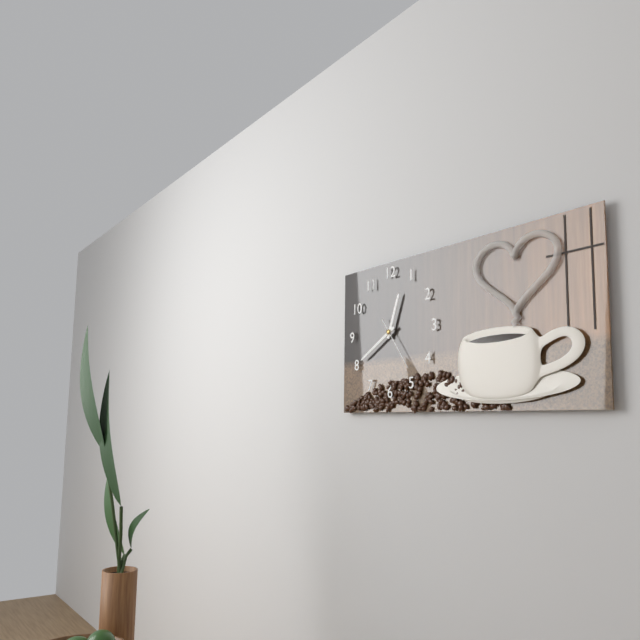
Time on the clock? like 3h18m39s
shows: 12h40m24s
